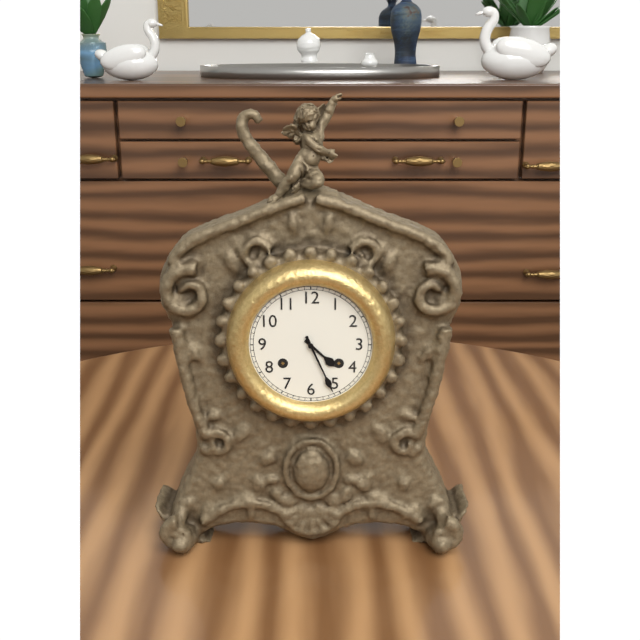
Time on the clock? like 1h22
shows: 4h26
